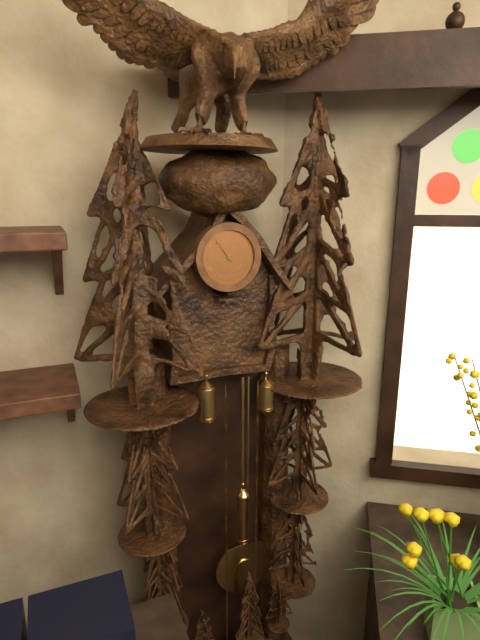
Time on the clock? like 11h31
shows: 7h54
